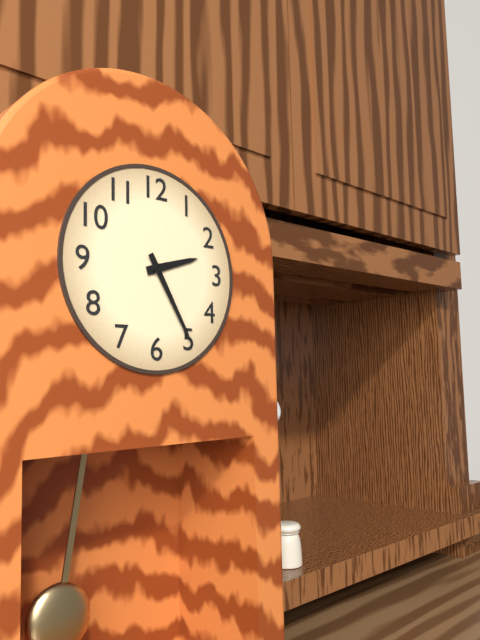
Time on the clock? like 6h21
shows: 2h25
